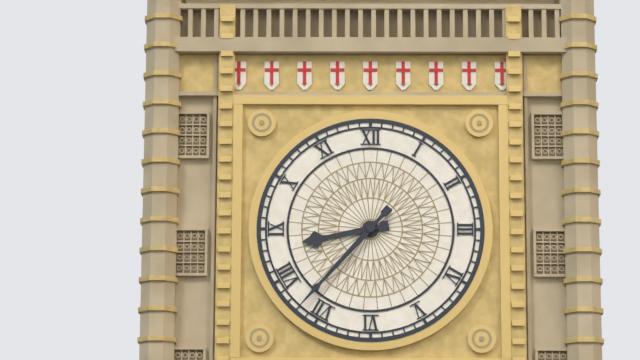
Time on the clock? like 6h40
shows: 8h37
